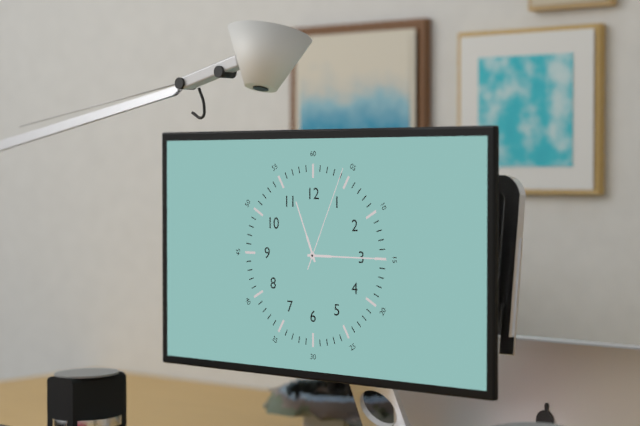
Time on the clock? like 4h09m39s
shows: 11h15m04s
